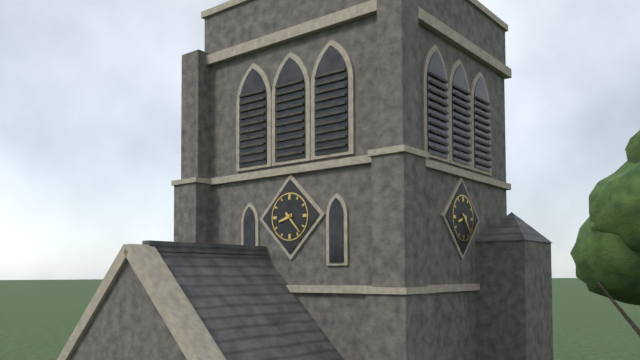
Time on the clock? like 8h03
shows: 8h23
